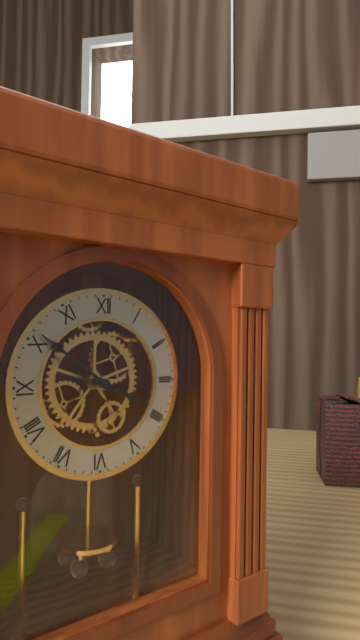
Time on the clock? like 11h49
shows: 3h51
